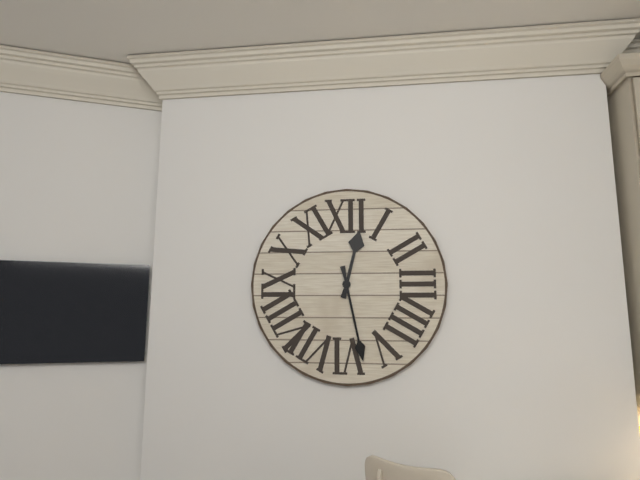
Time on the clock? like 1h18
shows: 12h28
